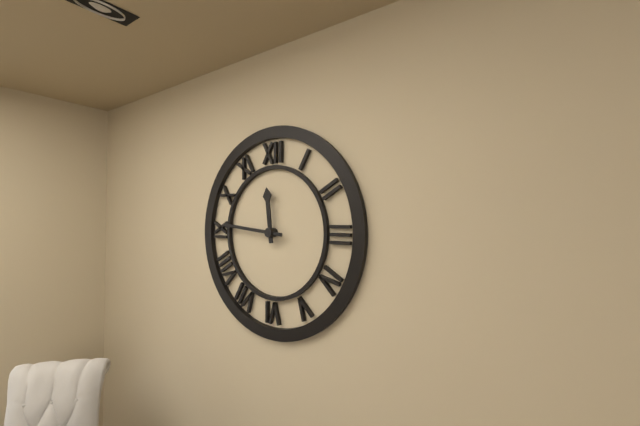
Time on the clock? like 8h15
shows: 11h46
